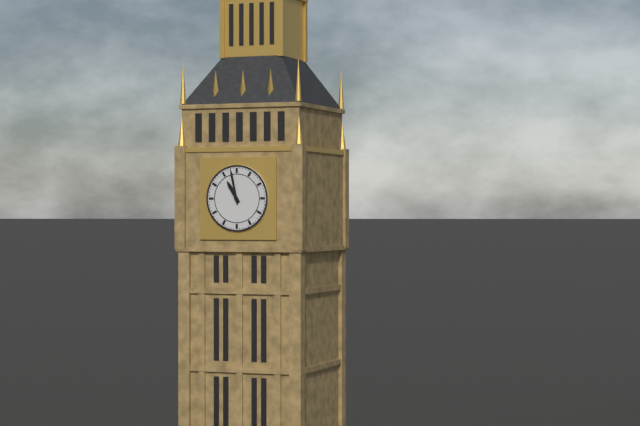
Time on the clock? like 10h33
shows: 10h58
